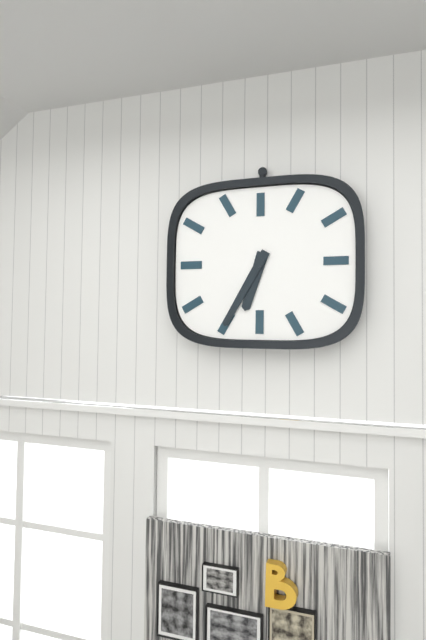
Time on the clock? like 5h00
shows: 6h35
